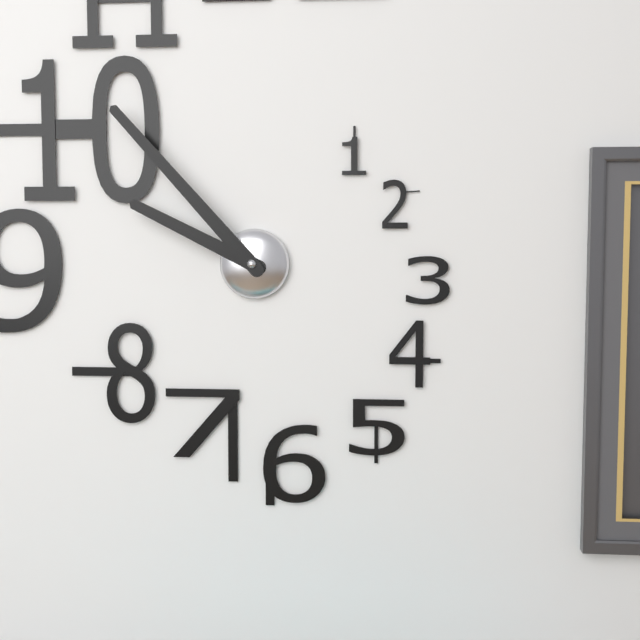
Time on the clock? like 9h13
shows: 9h53
